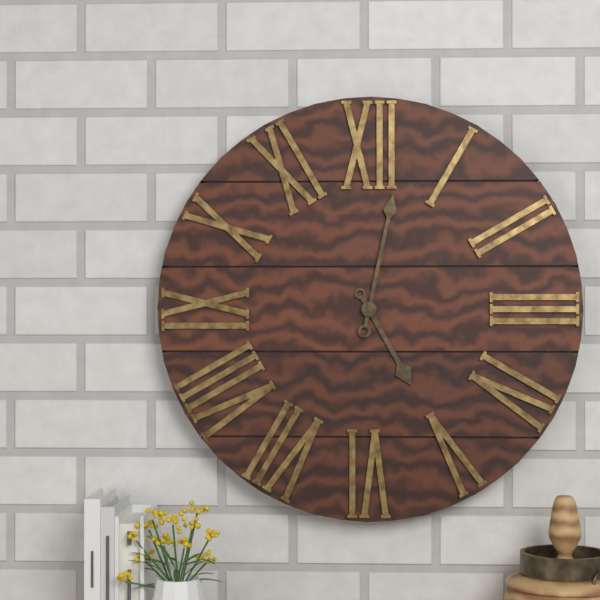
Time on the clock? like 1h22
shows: 5h02
